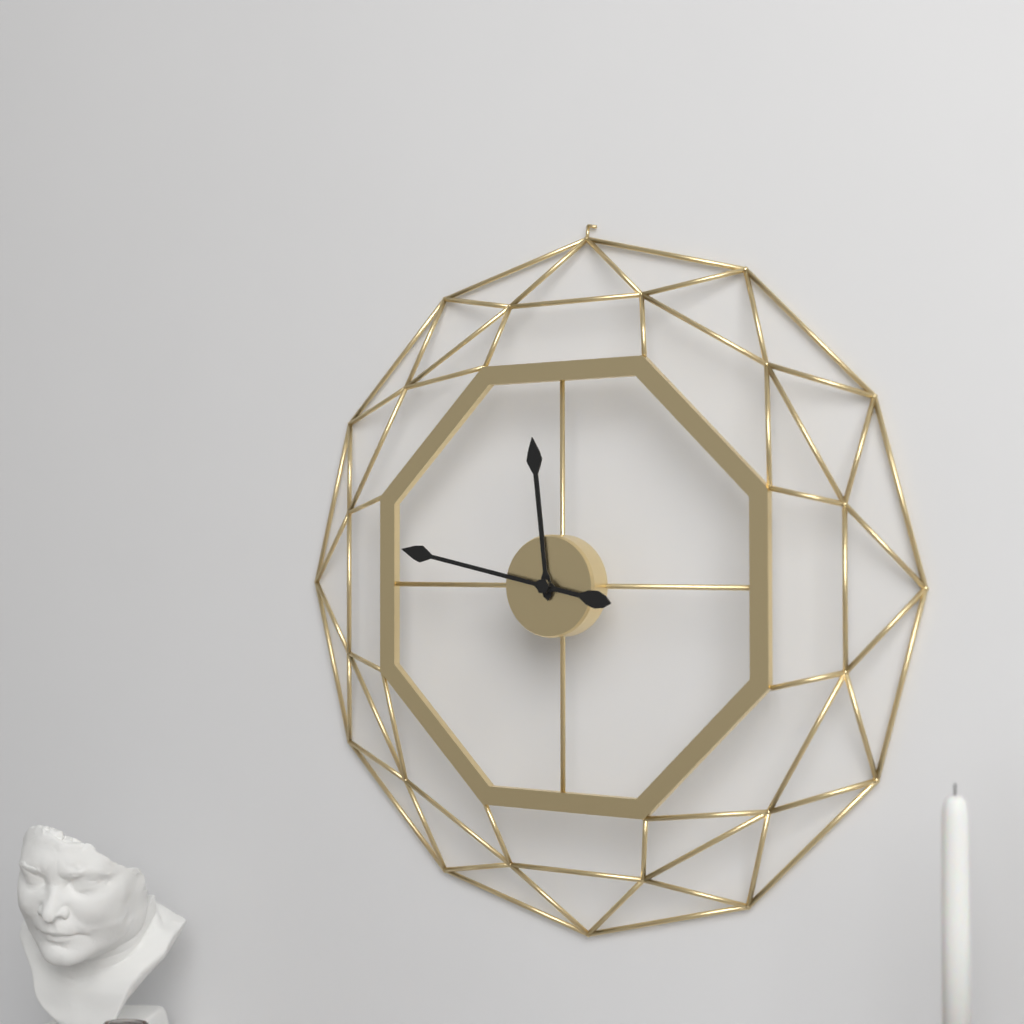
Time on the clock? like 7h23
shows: 11h47
